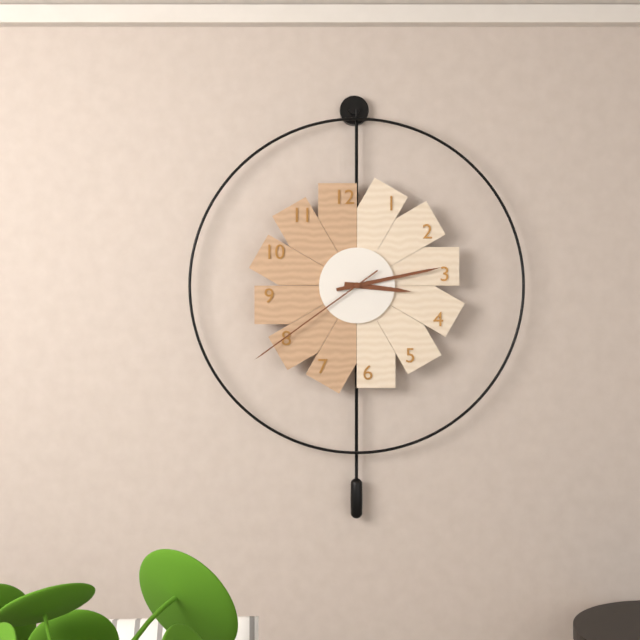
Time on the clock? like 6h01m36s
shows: 3h13m39s
